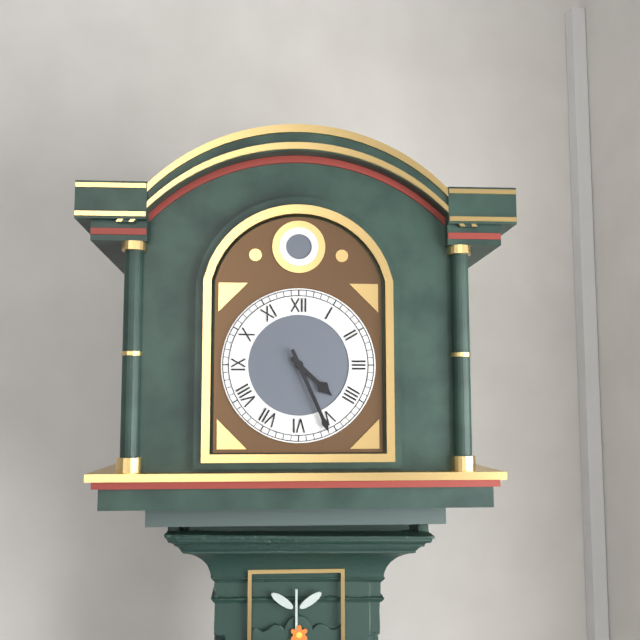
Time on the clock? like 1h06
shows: 4h26
